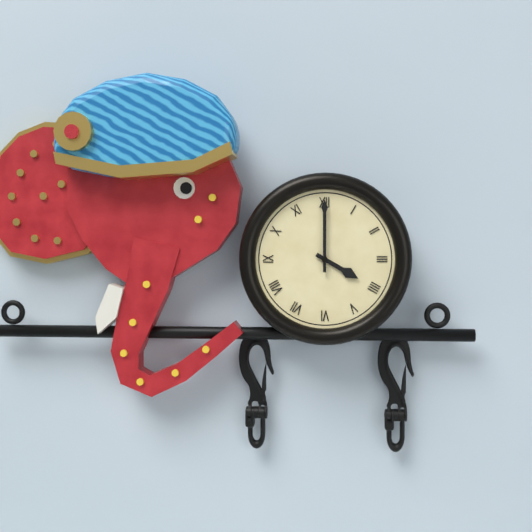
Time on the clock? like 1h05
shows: 4h00
